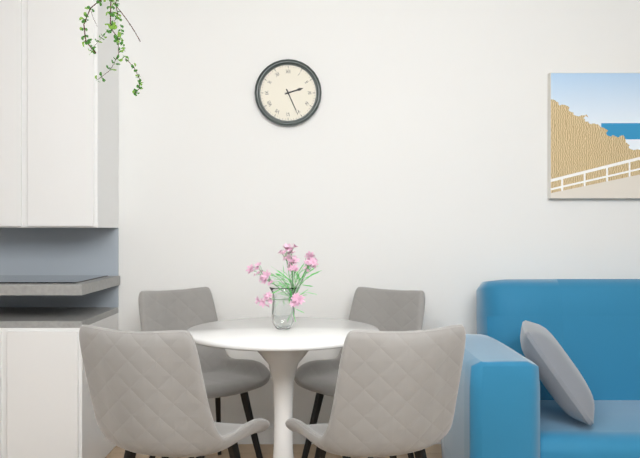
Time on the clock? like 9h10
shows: 2h26
